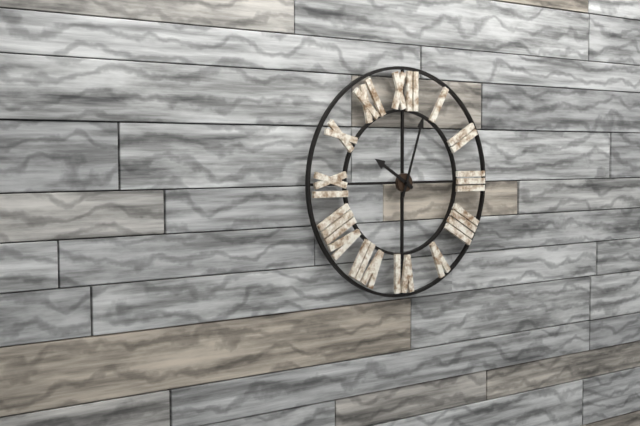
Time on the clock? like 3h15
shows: 10h03
